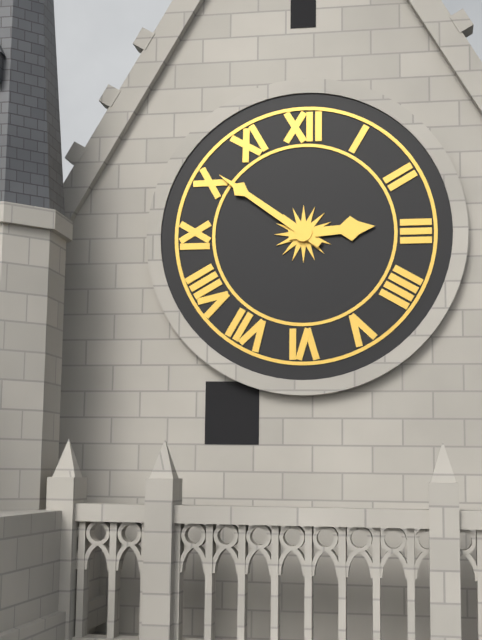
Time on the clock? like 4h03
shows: 2h51
